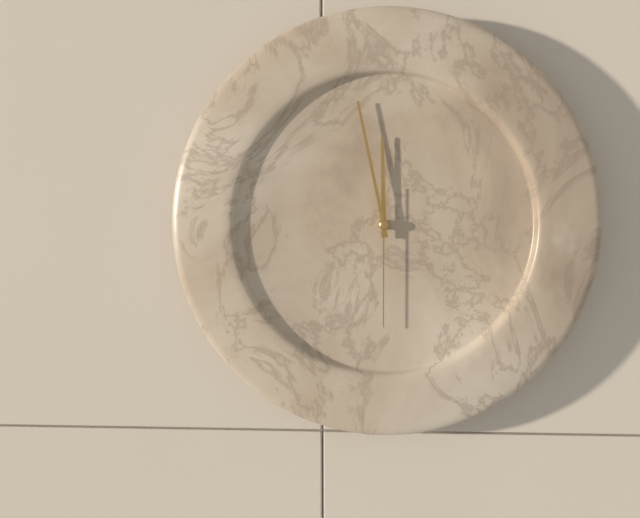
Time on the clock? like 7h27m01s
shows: 11h58m30s
